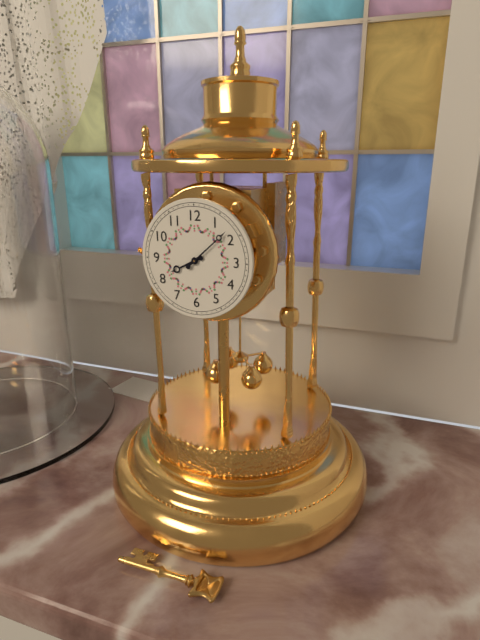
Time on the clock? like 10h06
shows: 8h08
